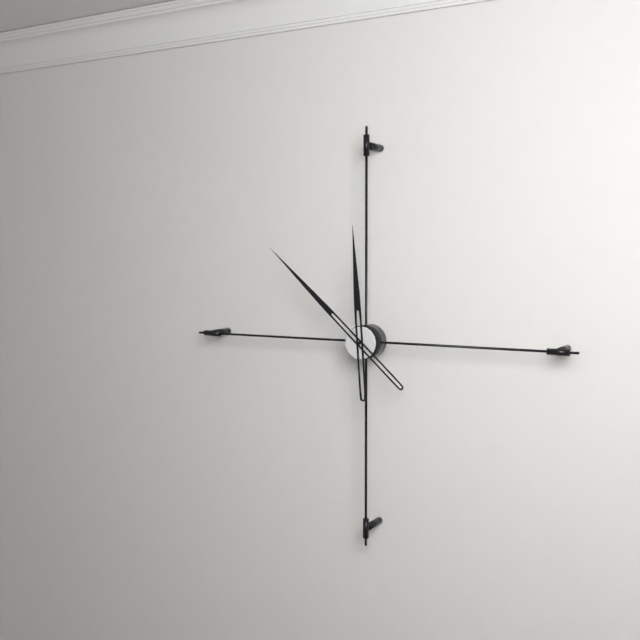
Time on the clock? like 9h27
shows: 11h52
